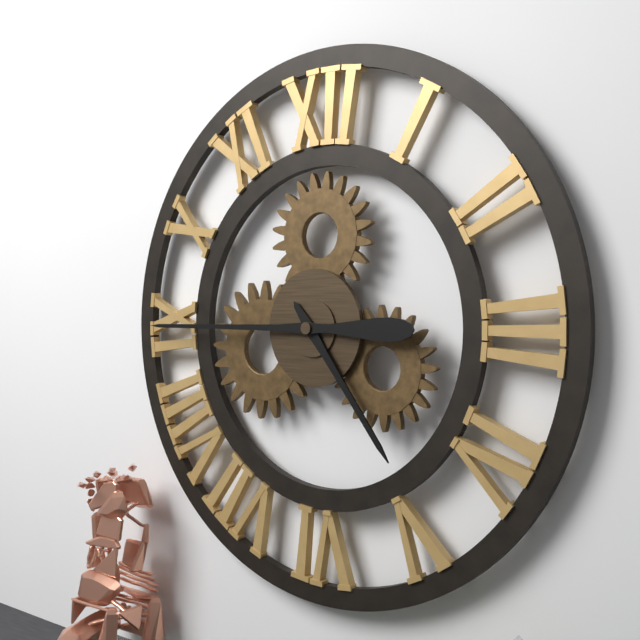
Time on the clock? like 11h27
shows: 4h45
